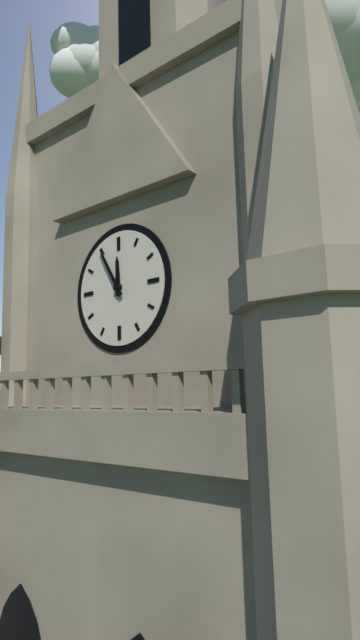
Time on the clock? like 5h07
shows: 11h55
